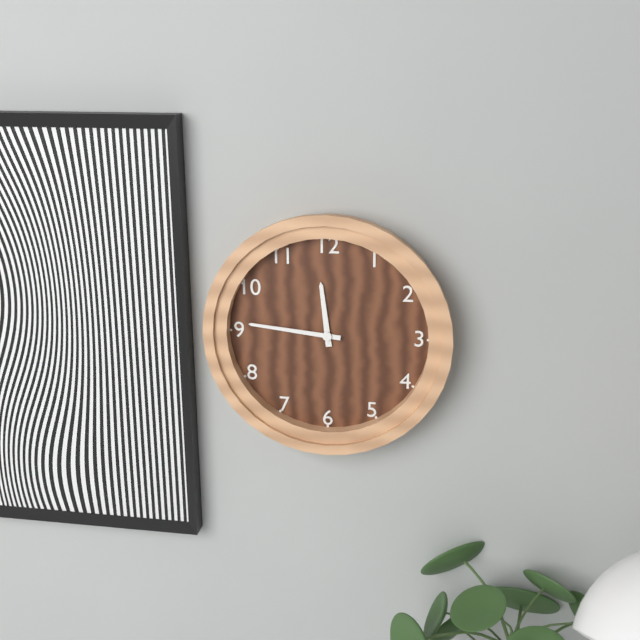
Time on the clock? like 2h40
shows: 11h46
